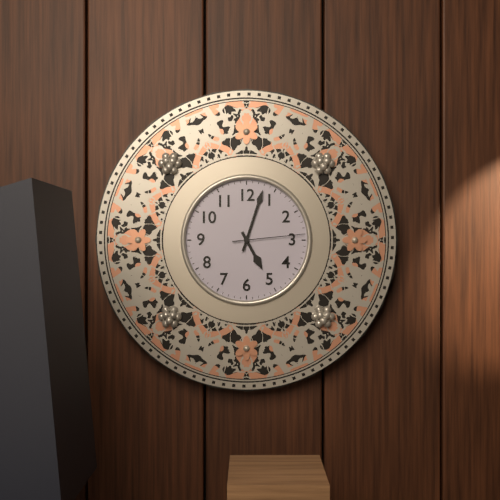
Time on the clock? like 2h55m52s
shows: 5h03m14s
